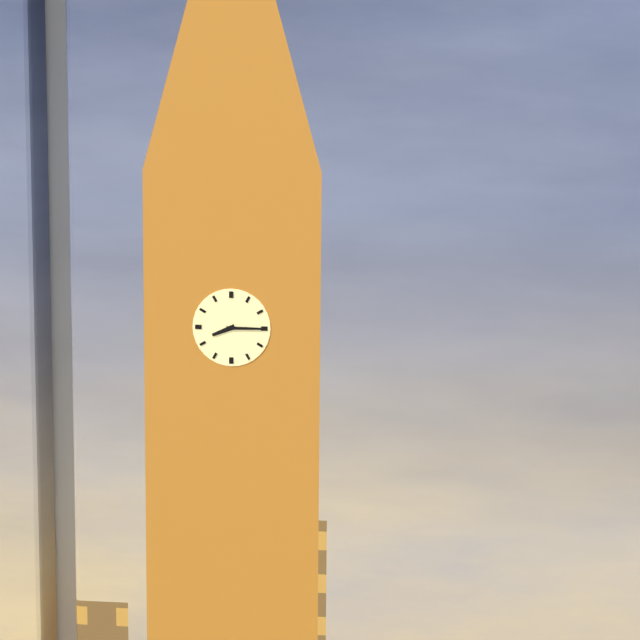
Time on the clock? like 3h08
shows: 8h15
